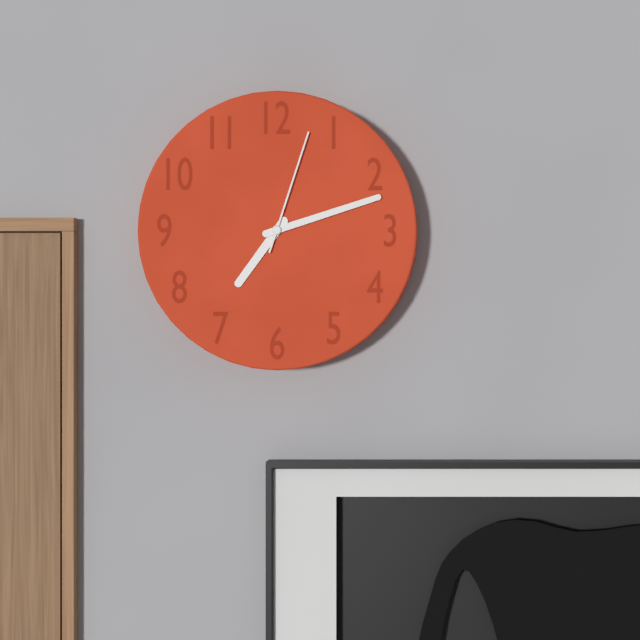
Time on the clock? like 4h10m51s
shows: 7h12m03s
